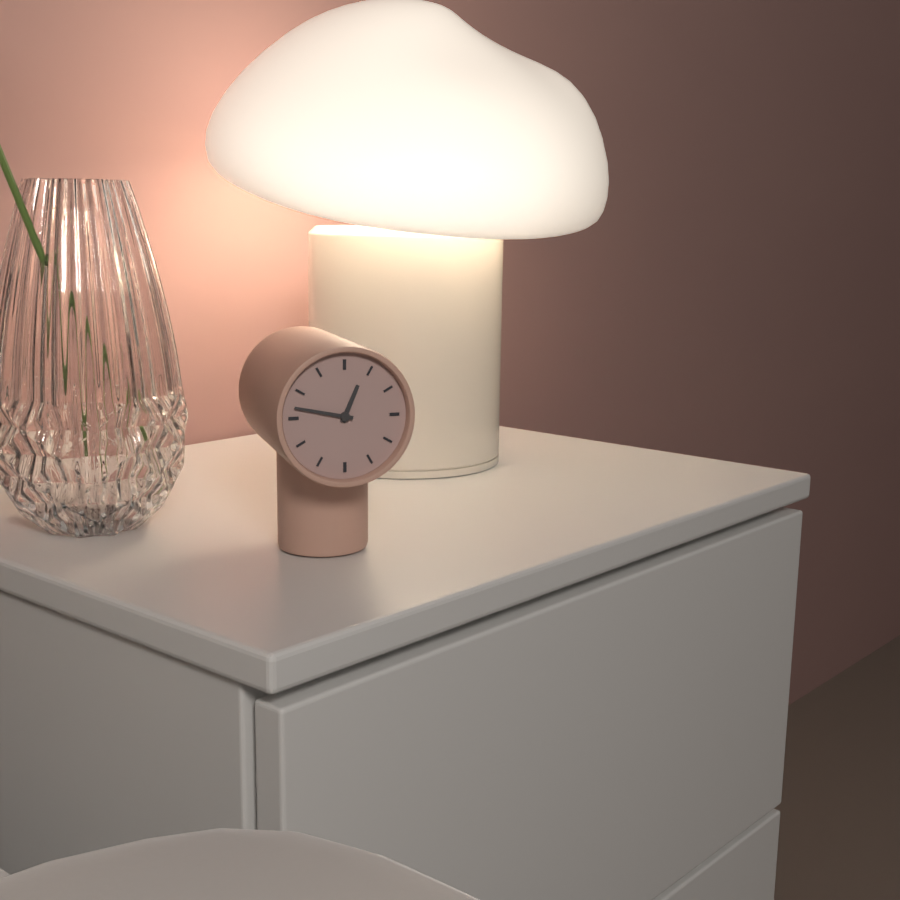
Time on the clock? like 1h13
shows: 12h47
